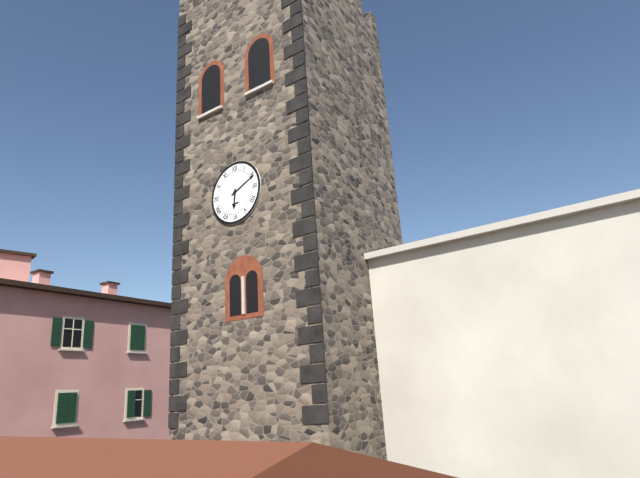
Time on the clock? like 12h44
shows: 6h11
